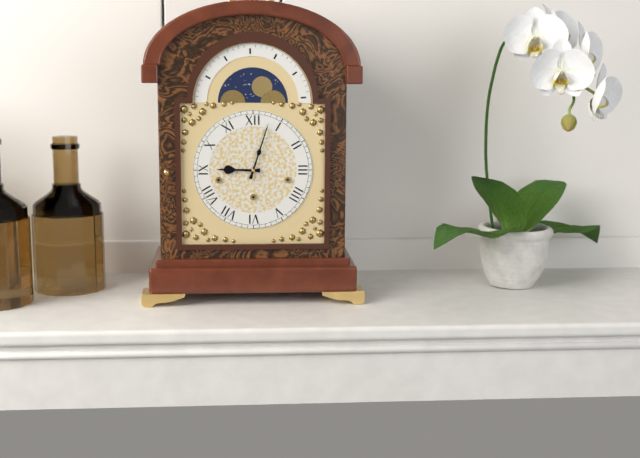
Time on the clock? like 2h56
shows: 9h03
